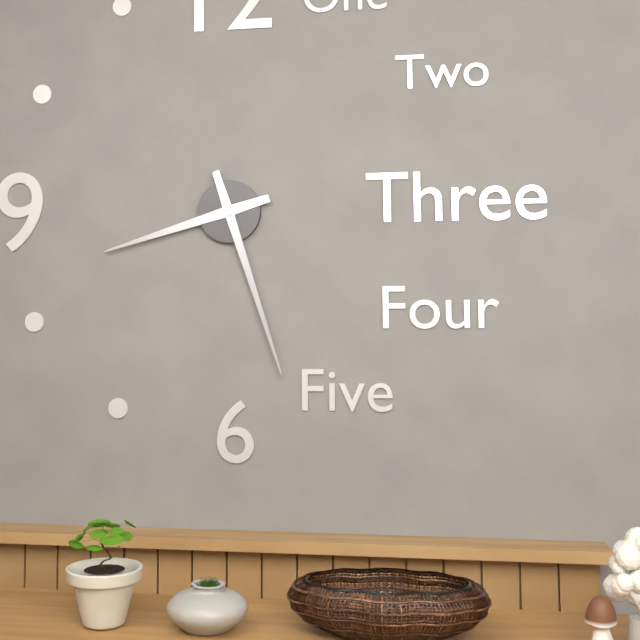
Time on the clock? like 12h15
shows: 8h27
